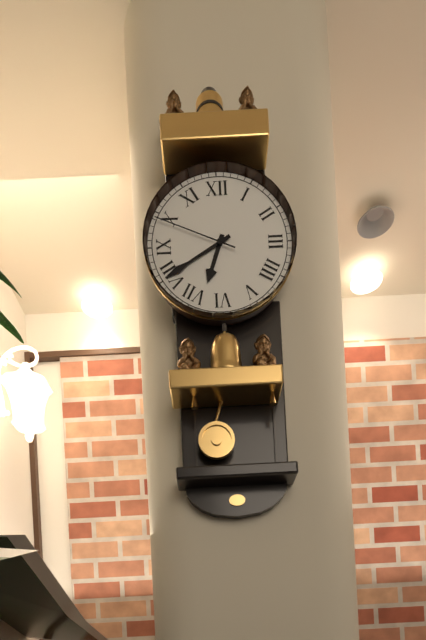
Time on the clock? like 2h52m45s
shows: 6h40m49s
